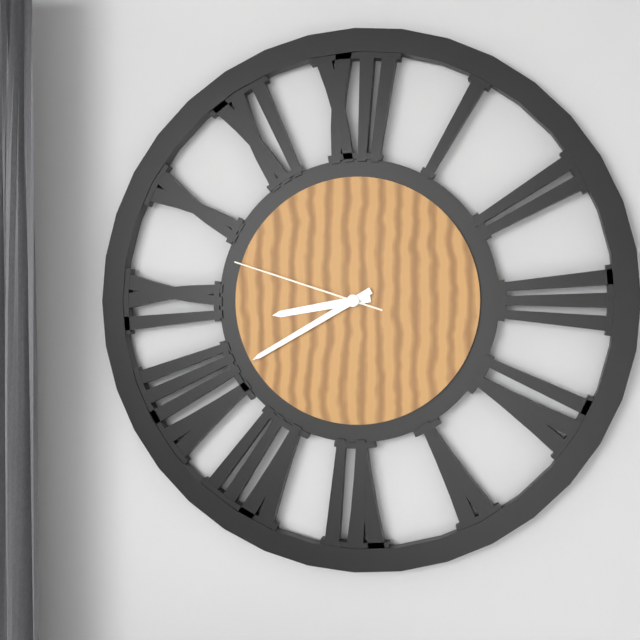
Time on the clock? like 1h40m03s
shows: 8h40m48s
